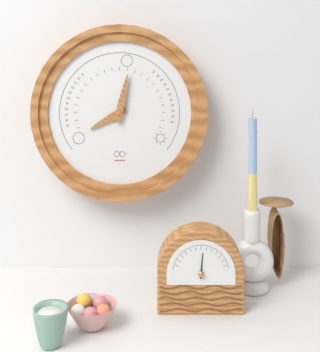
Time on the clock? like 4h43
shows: 8h02
